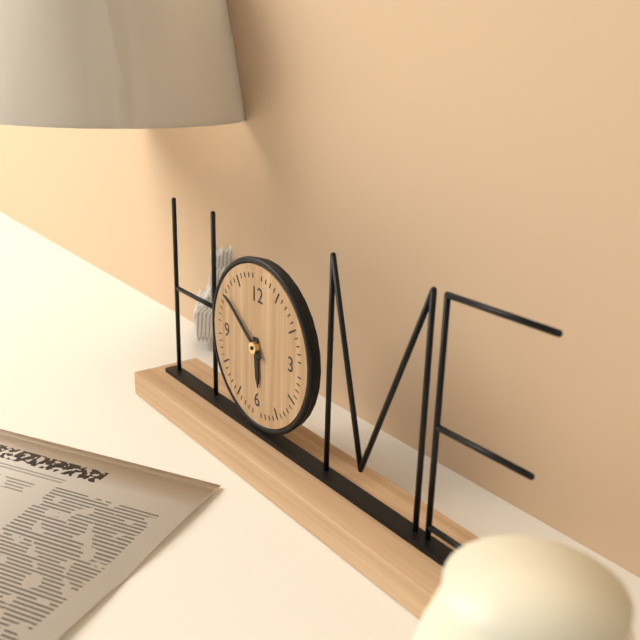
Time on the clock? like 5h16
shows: 5h51
